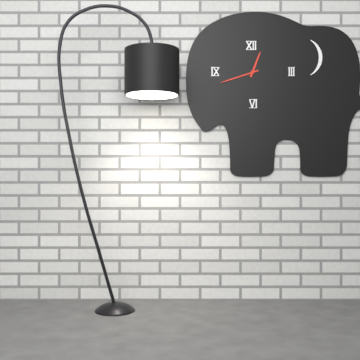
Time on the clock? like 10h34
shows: 12h42
